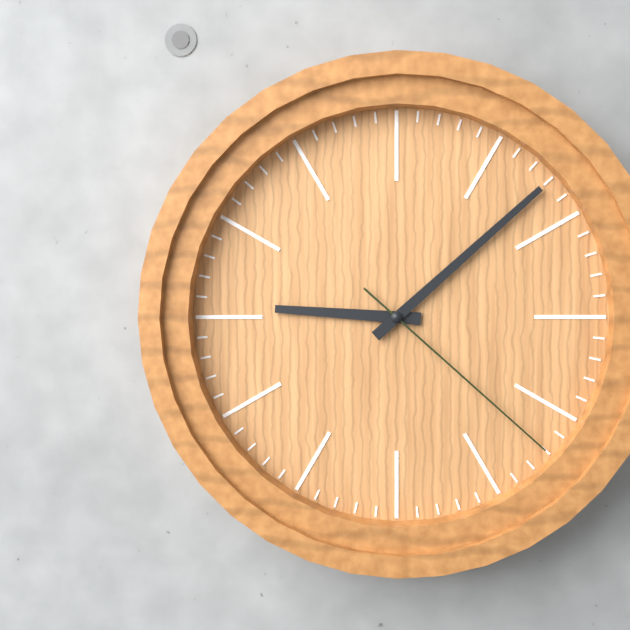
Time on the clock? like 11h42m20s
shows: 9h08m22s
